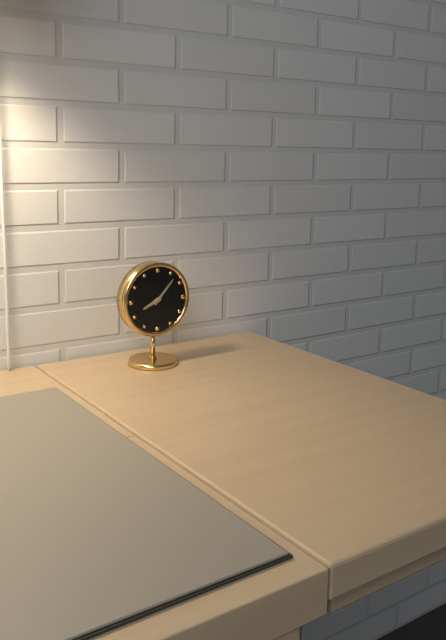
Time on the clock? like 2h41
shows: 8h07
